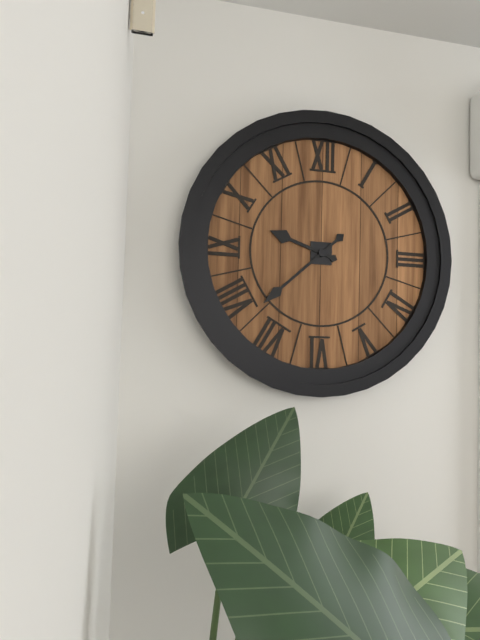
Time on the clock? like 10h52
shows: 9h38
